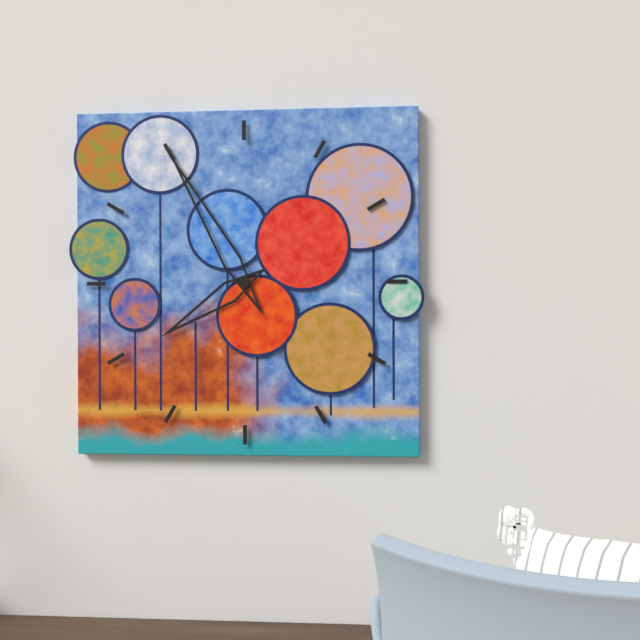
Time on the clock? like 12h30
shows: 7h55
